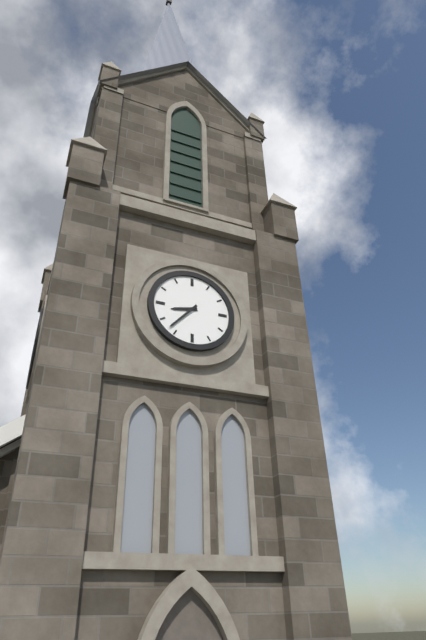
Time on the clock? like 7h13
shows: 8h37
